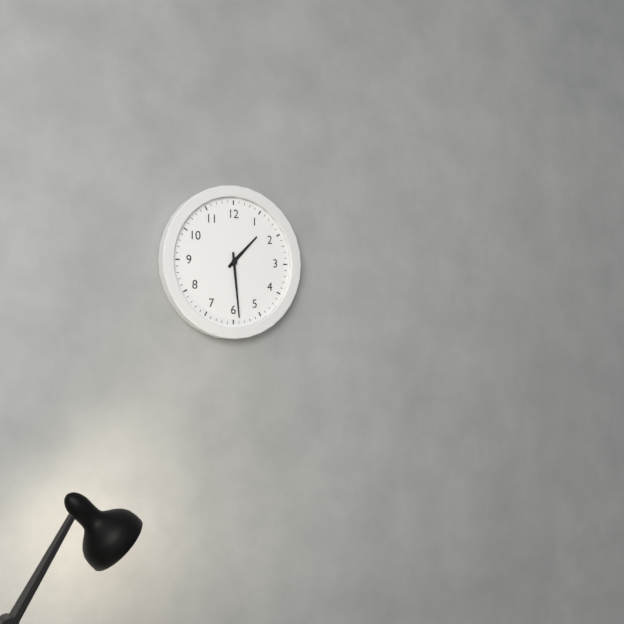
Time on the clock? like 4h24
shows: 1h29
